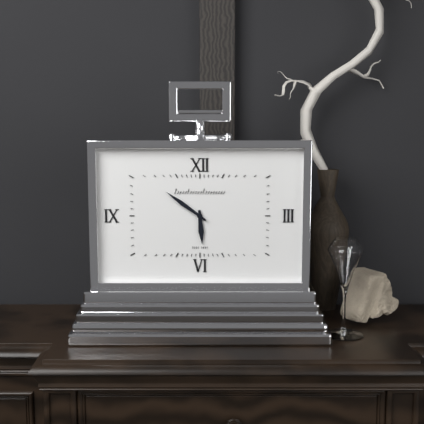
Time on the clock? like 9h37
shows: 5h51
